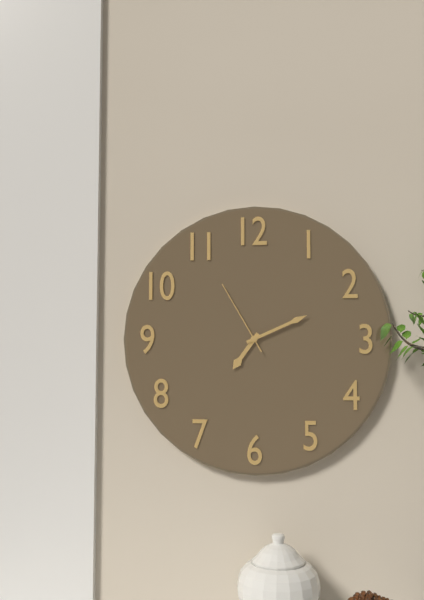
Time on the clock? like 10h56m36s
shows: 7h11m55s
